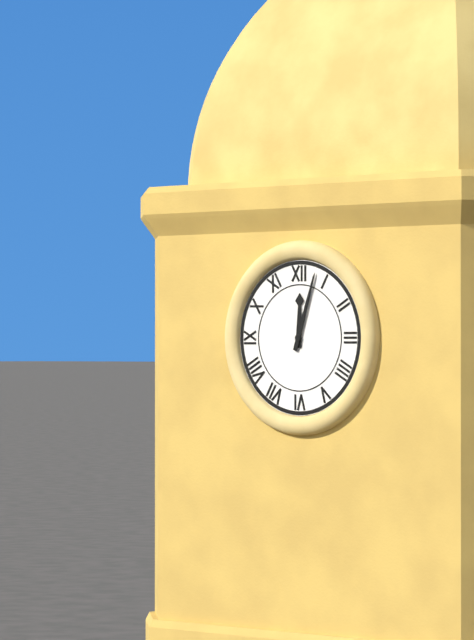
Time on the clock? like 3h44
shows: 12h03
